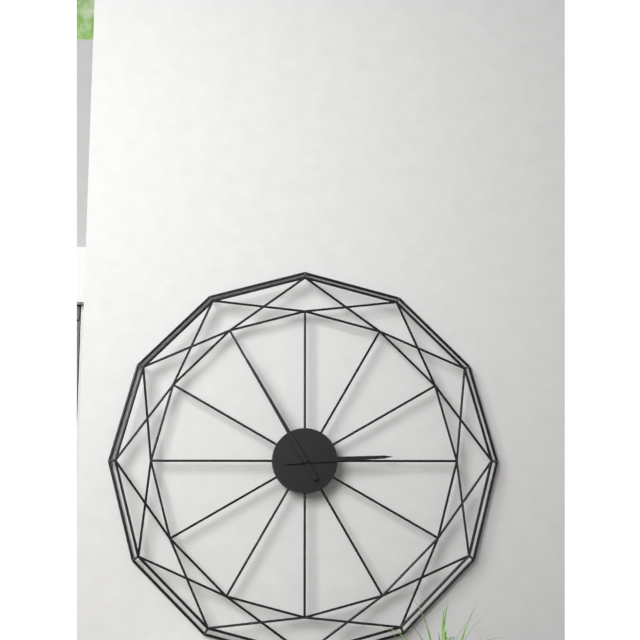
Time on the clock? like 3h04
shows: 2h55
